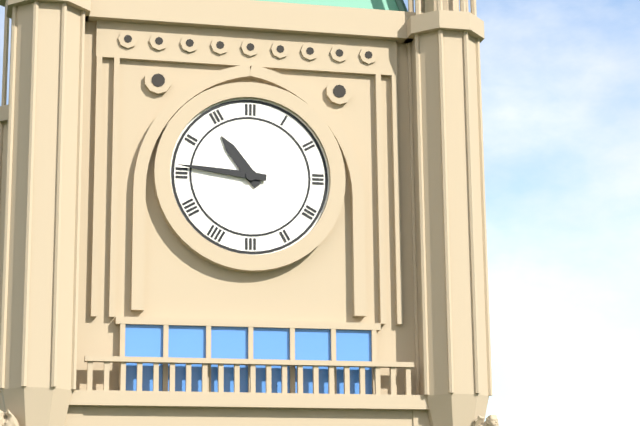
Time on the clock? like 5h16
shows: 10h46
